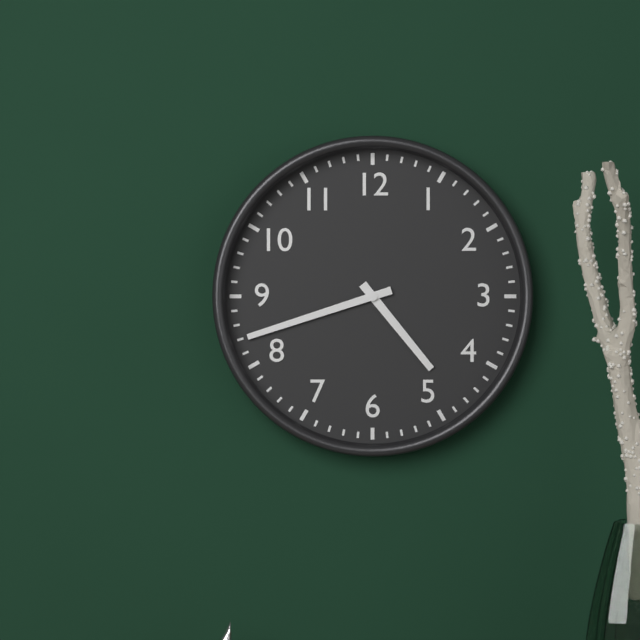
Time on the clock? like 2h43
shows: 4h42
